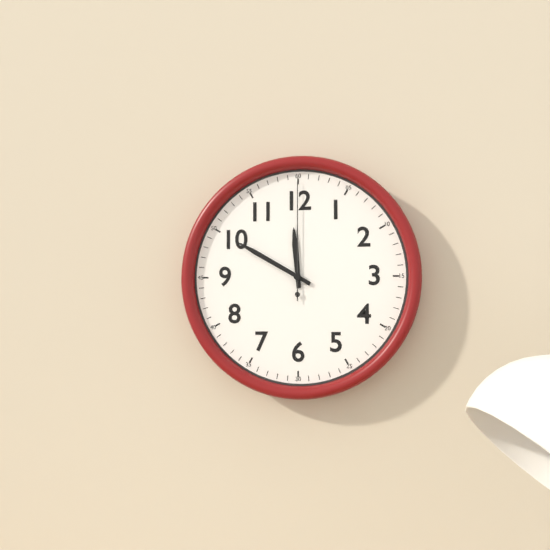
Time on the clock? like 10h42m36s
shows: 11h50m00s
